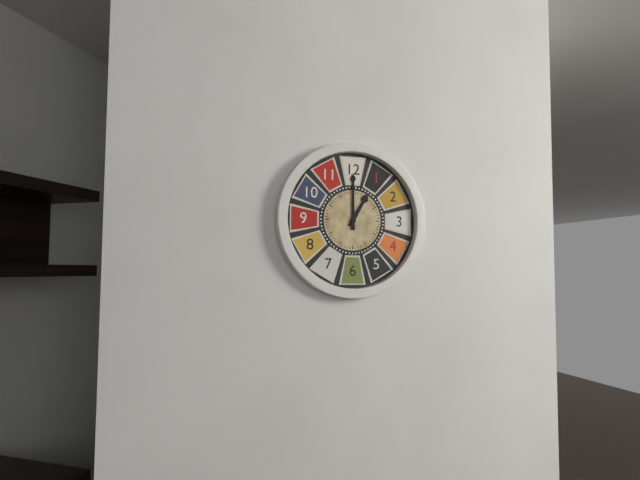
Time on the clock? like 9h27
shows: 1h00
